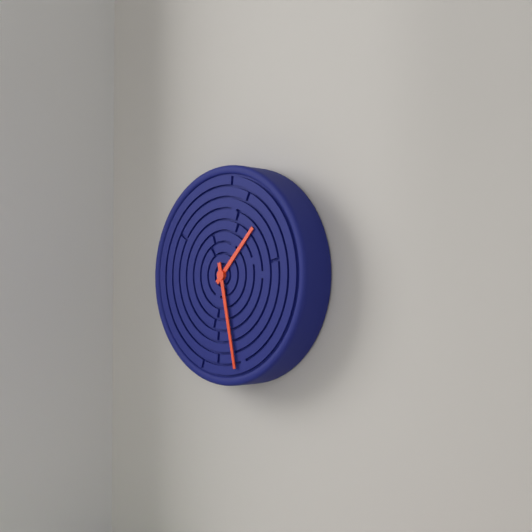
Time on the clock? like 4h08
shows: 1h28
